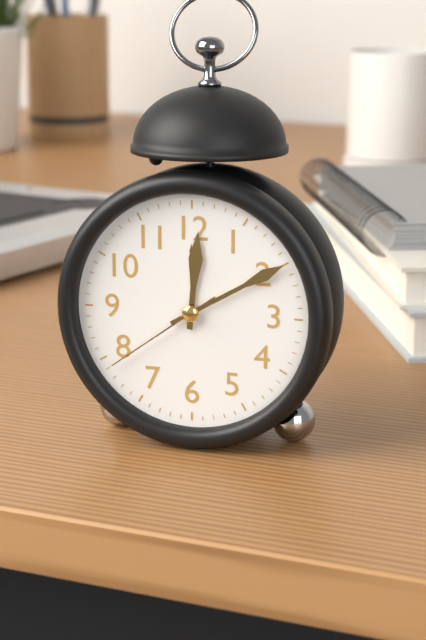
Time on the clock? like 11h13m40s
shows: 12h10m39s
